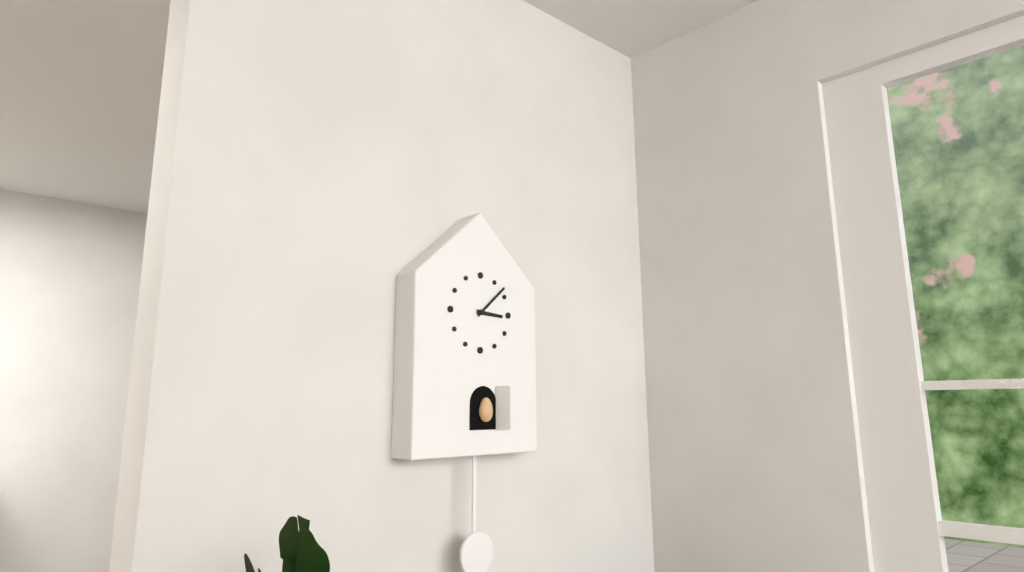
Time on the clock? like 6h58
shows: 3h08
